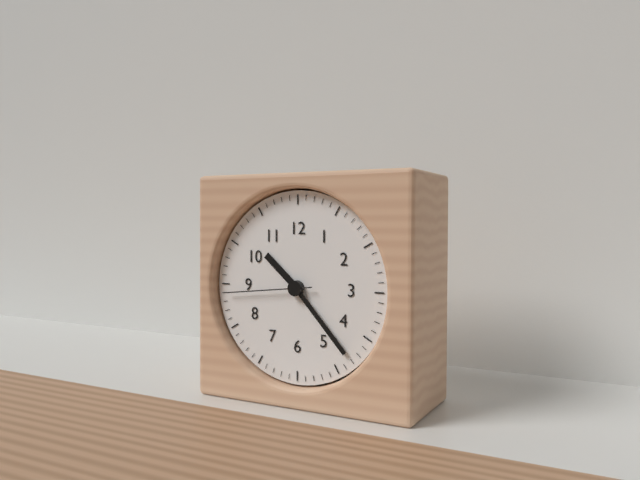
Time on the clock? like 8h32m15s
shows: 10h23m44s
